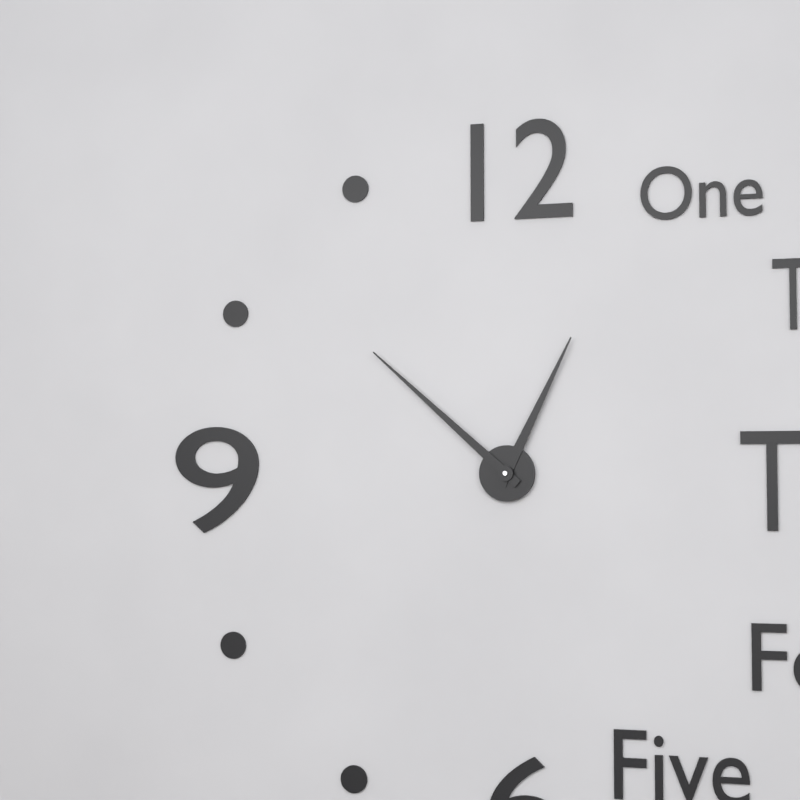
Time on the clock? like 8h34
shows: 12h52
